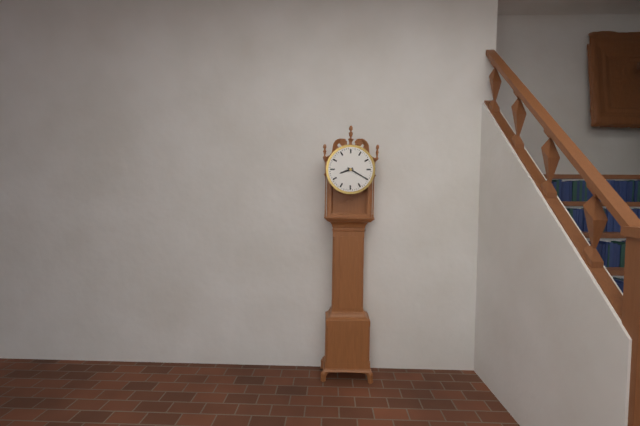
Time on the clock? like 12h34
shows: 8h20
